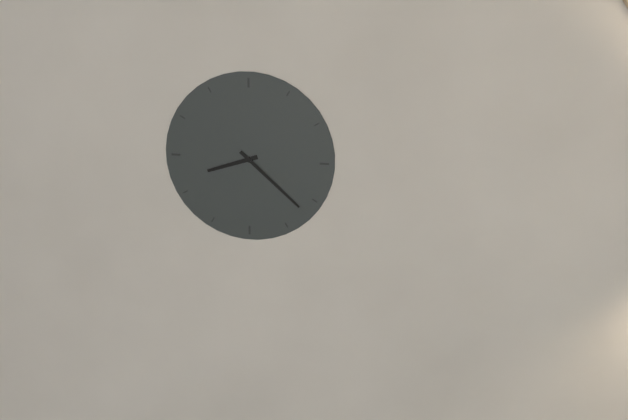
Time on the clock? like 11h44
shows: 8h22
